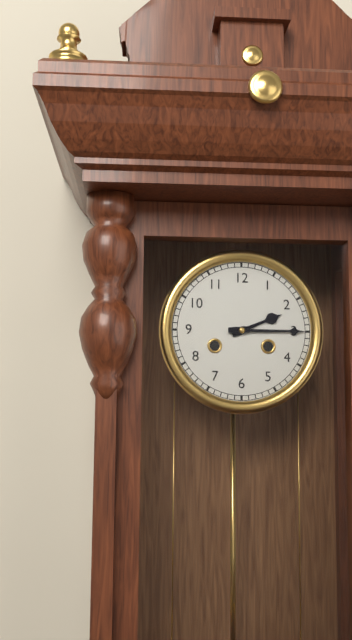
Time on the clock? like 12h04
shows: 2h15
